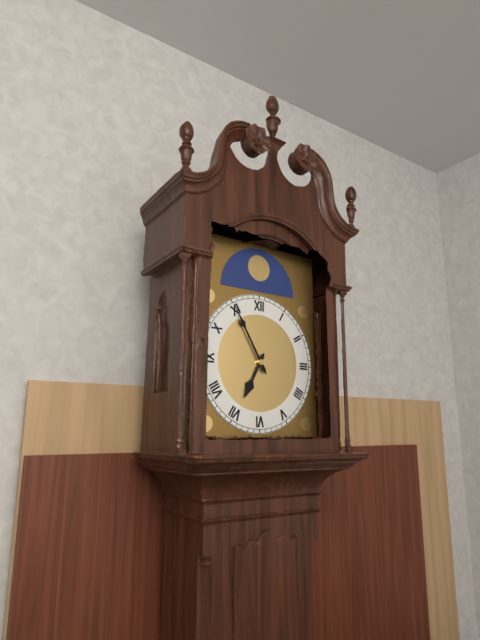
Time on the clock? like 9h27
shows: 6h55
